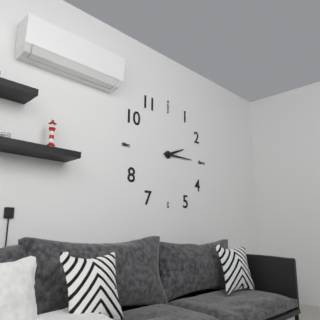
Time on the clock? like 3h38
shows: 2h15
